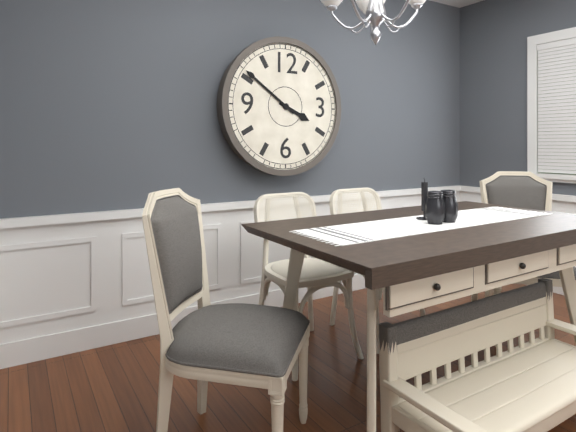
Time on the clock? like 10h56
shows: 3h51
